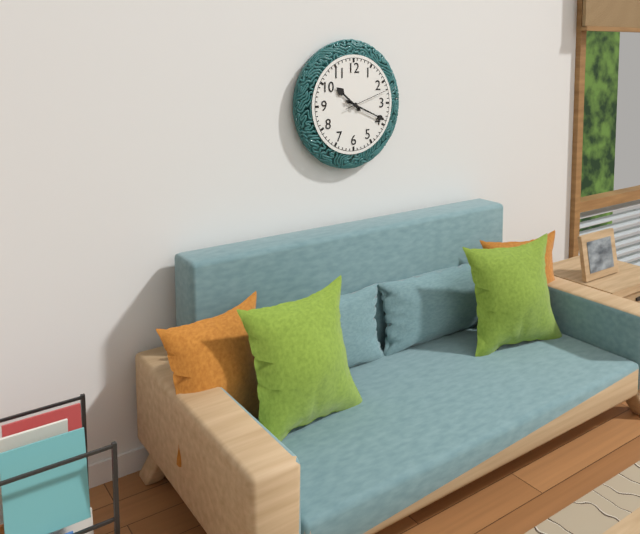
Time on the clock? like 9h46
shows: 10h19
